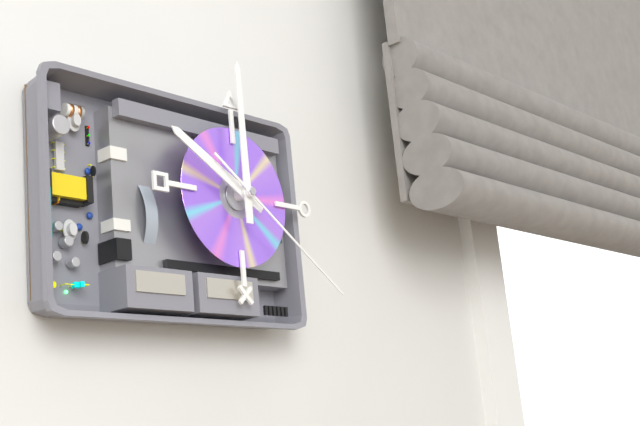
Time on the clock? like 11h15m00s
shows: 10h00m21s
